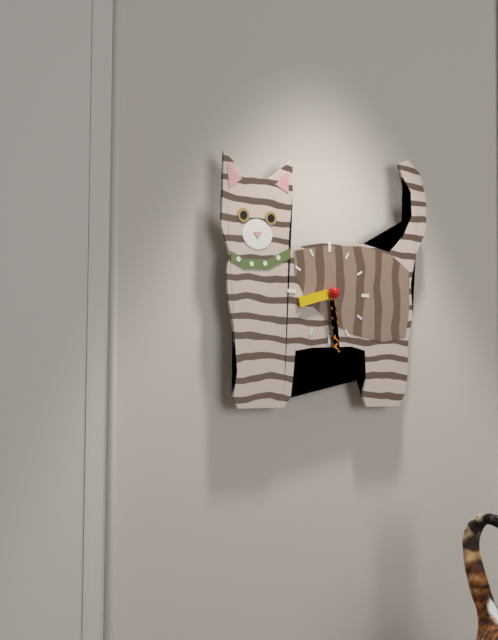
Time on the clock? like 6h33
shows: 8h29
